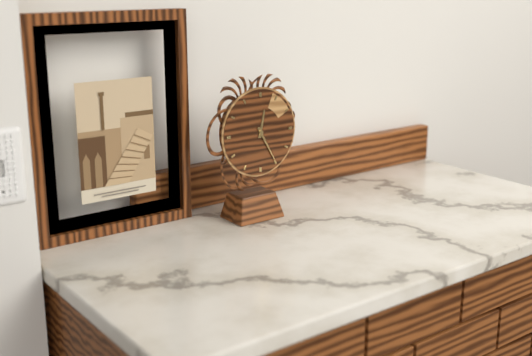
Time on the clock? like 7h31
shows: 12h25
